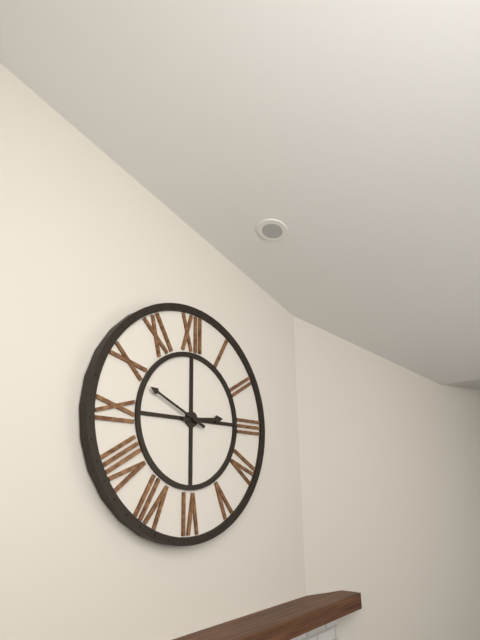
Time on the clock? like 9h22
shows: 2h49
